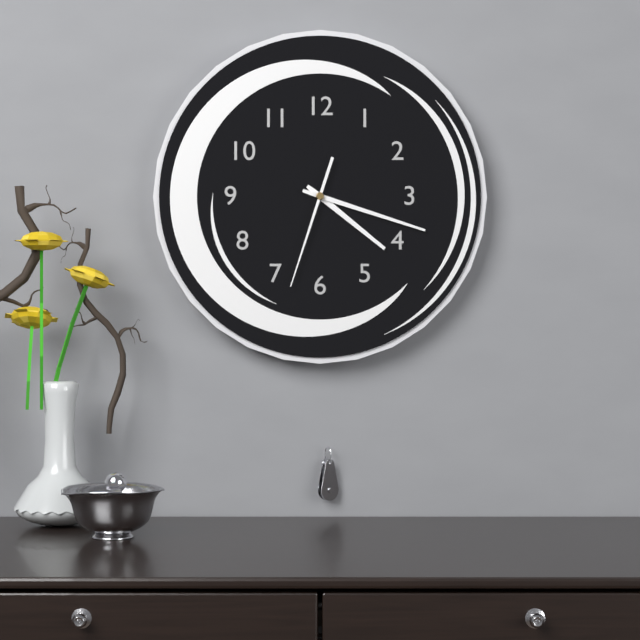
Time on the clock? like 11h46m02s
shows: 4h18m33s
